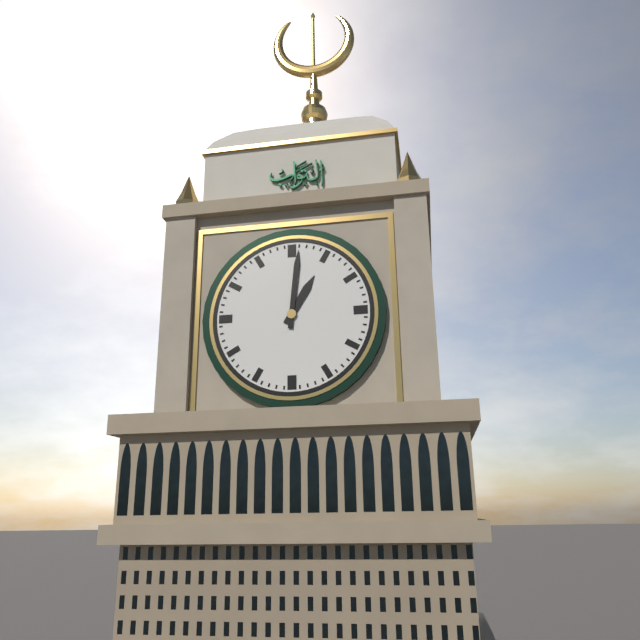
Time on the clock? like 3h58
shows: 1h01
